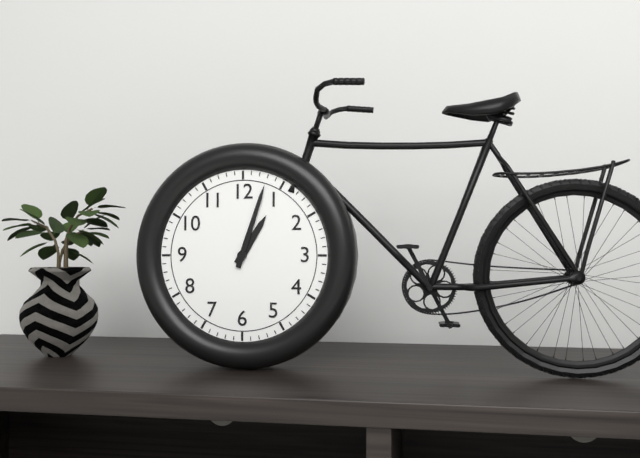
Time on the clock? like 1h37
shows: 1h03
